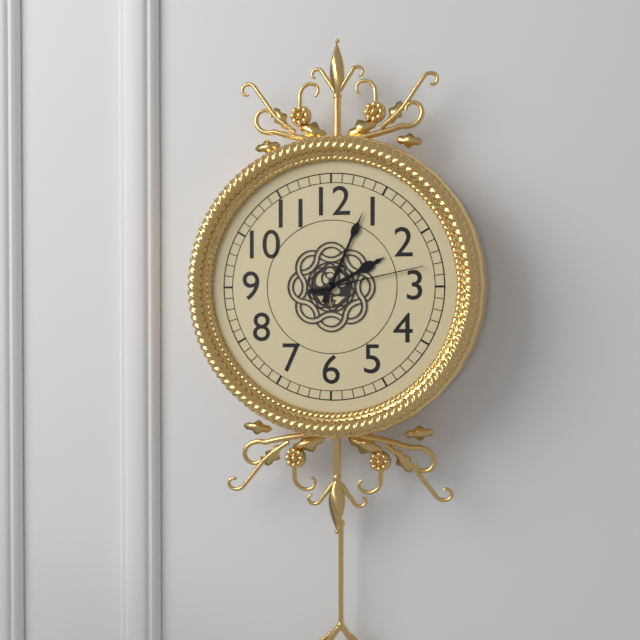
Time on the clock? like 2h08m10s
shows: 2h04m13s
